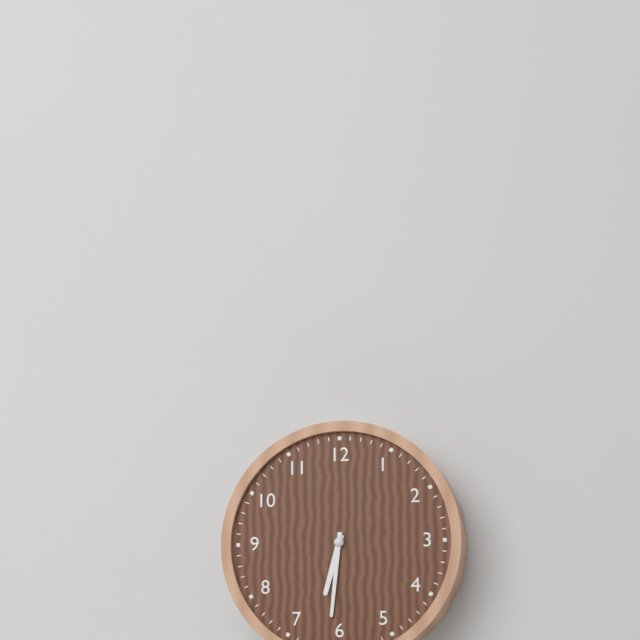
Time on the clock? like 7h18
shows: 6h31
